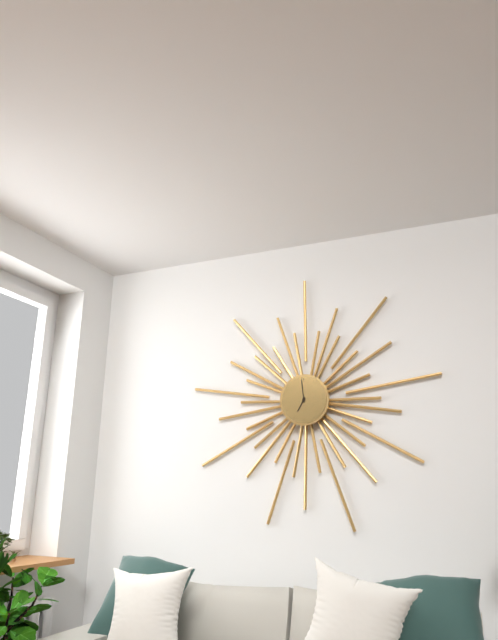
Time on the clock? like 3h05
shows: 6h59
